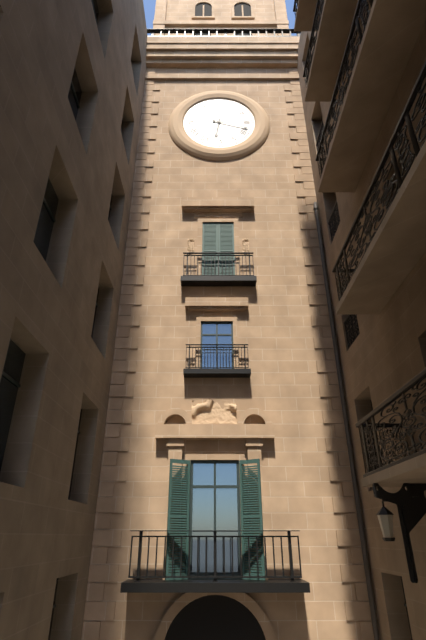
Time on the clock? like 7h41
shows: 6h18
